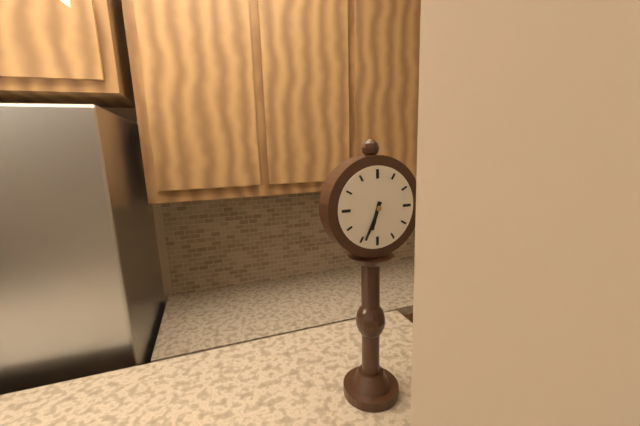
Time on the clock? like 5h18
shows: 6h34
